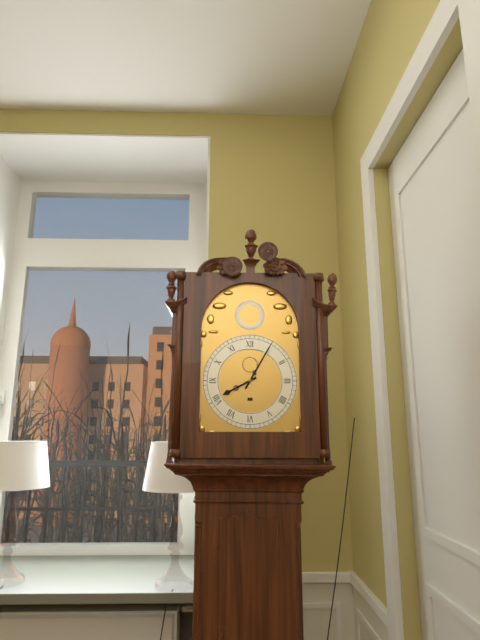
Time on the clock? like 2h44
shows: 8h05
